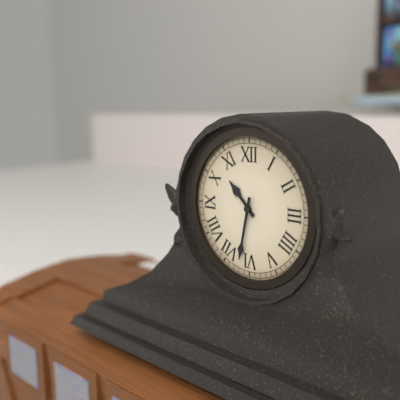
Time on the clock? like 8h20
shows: 10h32
